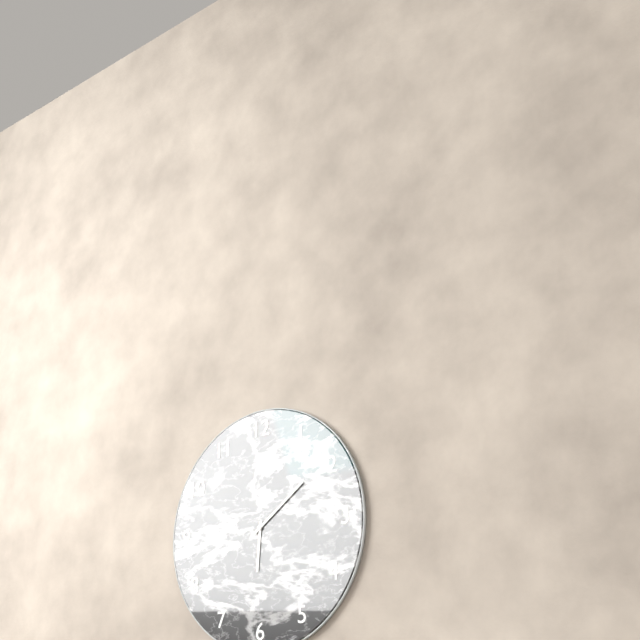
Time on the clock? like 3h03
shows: 6h09
